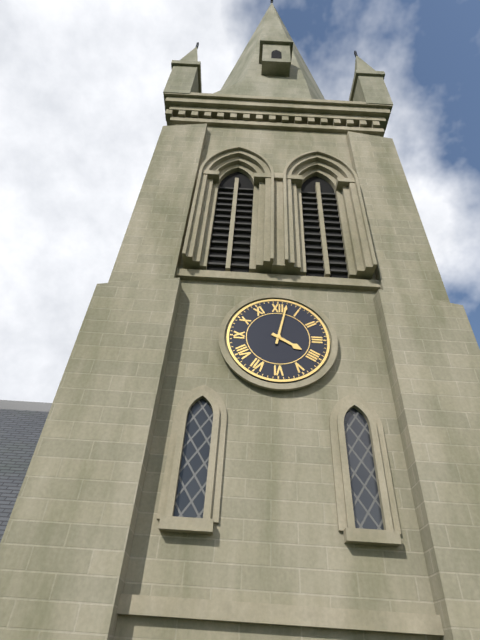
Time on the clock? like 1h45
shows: 4h02
